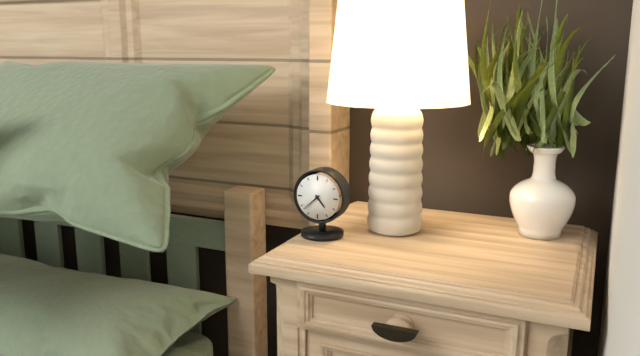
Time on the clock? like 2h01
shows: 4h38
